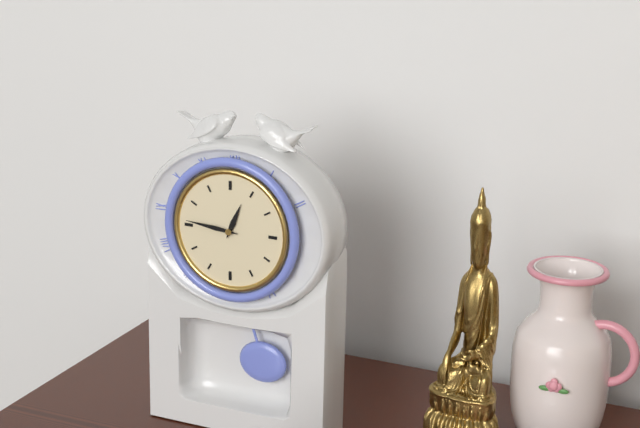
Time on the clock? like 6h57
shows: 12h46
